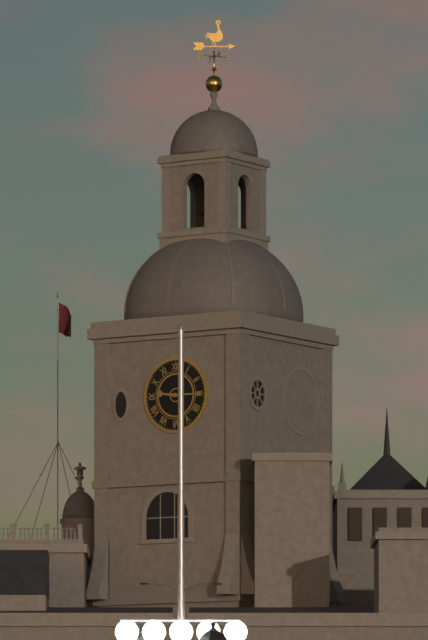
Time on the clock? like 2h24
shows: 9h15
